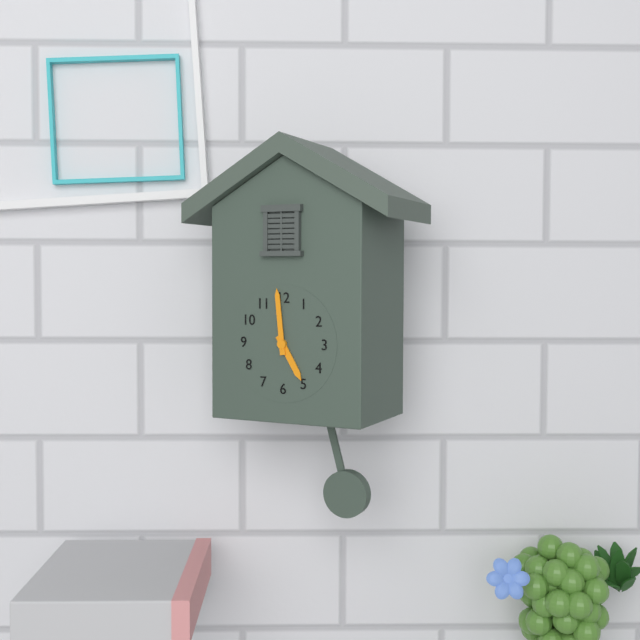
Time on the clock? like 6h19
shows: 4h59
